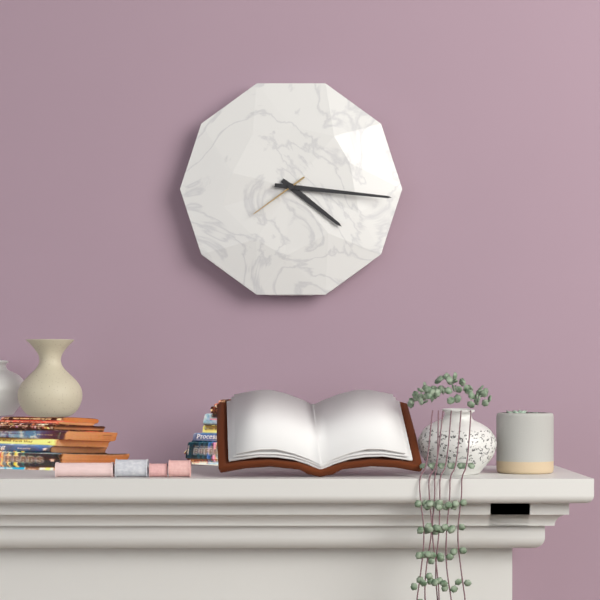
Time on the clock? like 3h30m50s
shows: 4h16m39s
